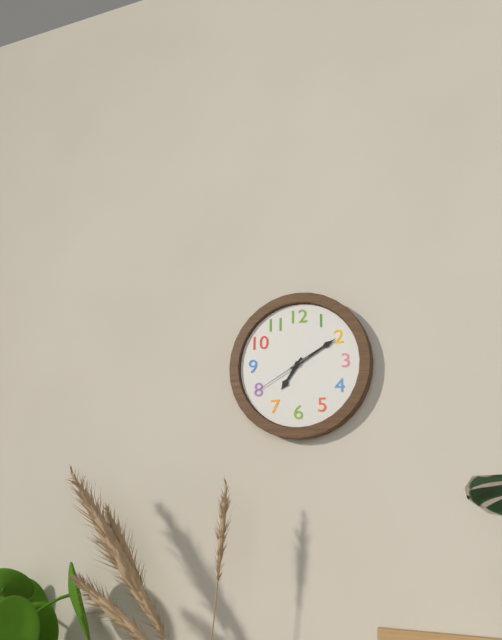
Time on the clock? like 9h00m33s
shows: 7h10m40s
